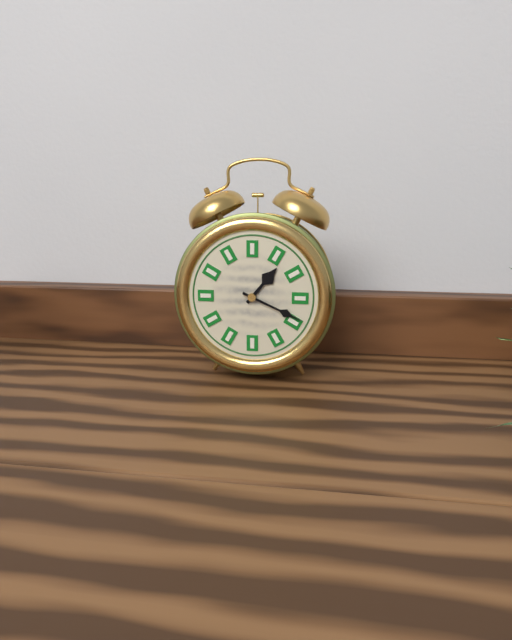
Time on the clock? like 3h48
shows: 1h19
